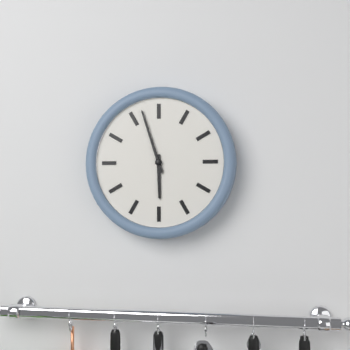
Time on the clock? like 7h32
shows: 5h57
